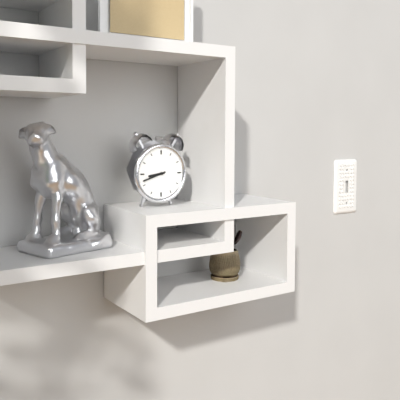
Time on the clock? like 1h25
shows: 8h42
